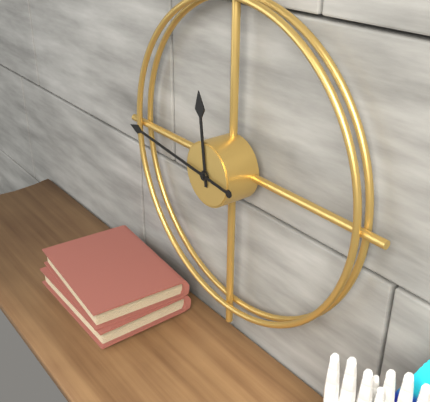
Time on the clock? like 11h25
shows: 11h46
